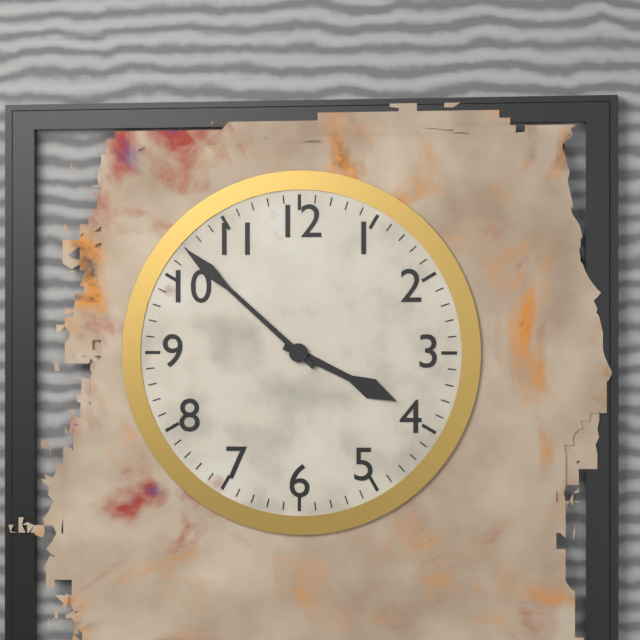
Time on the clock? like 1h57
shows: 3h52
